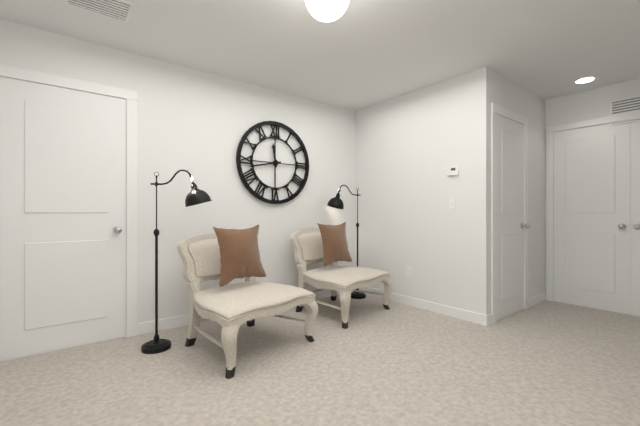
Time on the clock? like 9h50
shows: 11h43
